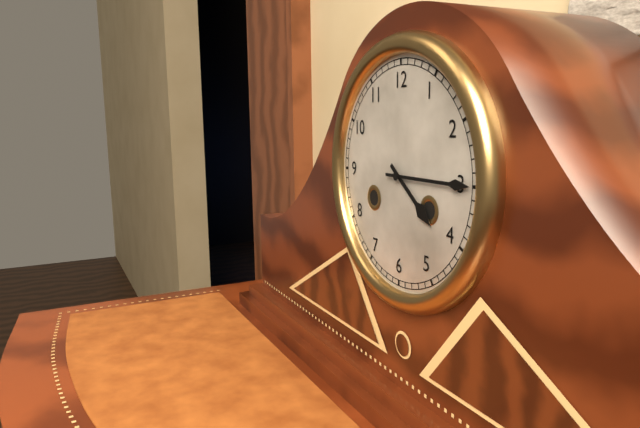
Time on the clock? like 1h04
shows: 4h15
